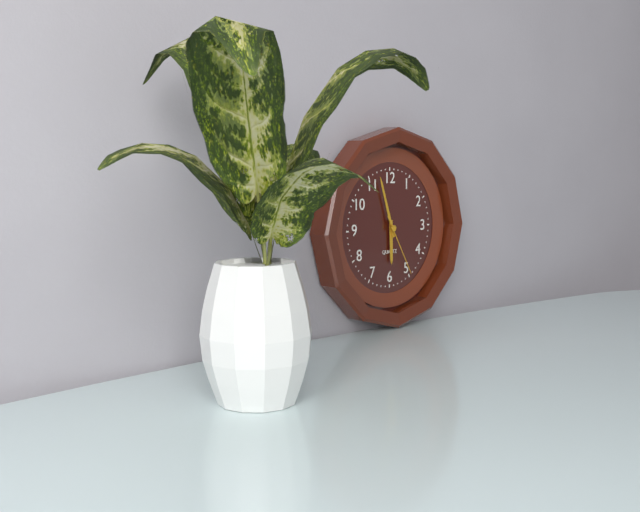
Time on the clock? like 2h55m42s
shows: 5h57m25s
